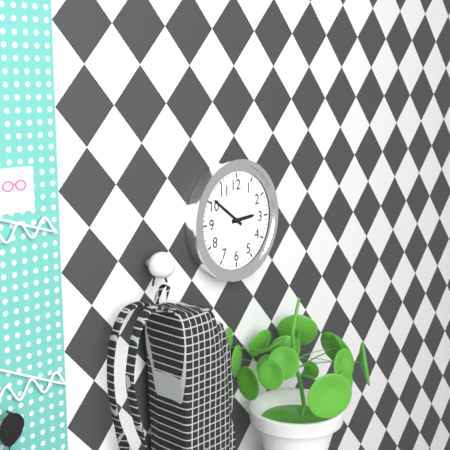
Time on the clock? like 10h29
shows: 2h51
